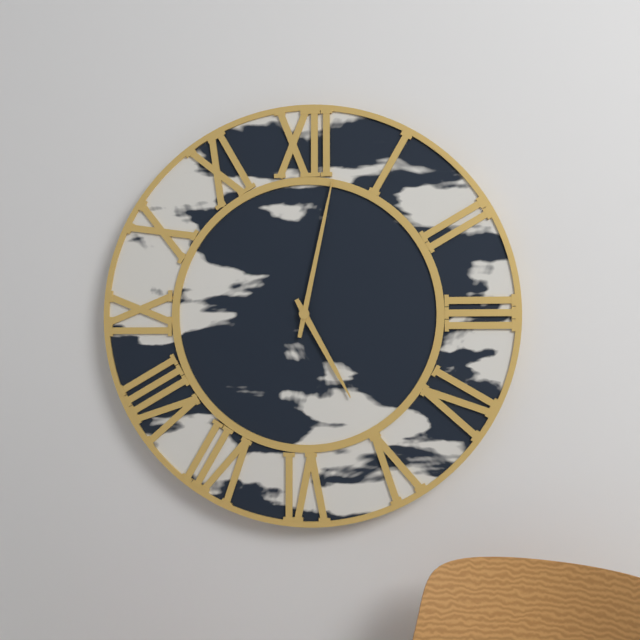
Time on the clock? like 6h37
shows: 5h02
